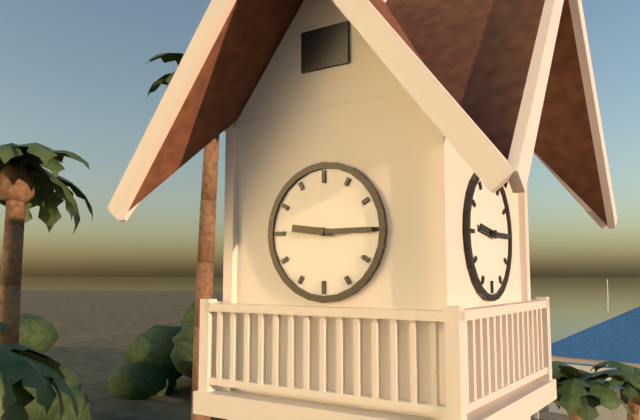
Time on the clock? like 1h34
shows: 9h15
